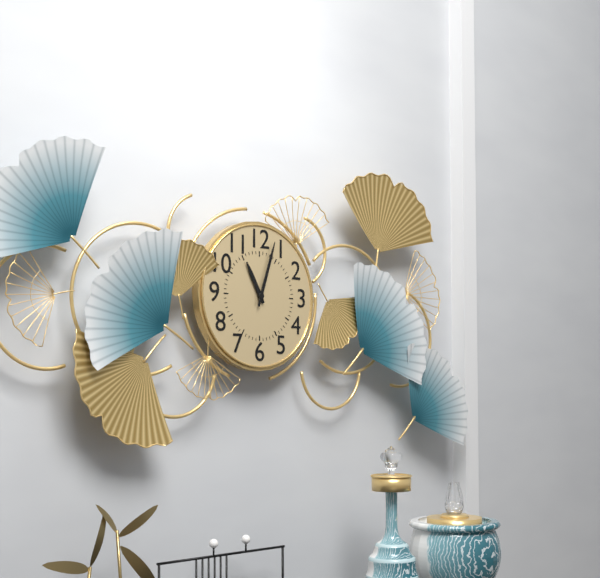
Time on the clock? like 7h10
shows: 11h03
